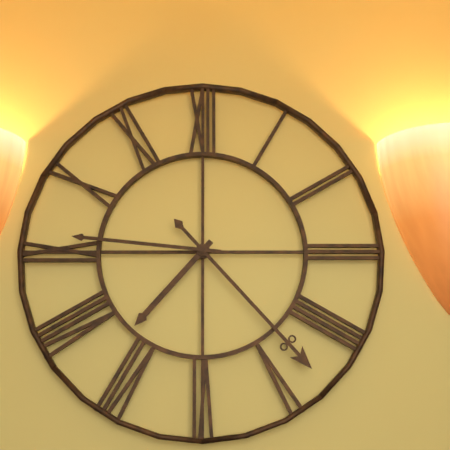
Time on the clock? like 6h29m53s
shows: 7h23m46s
